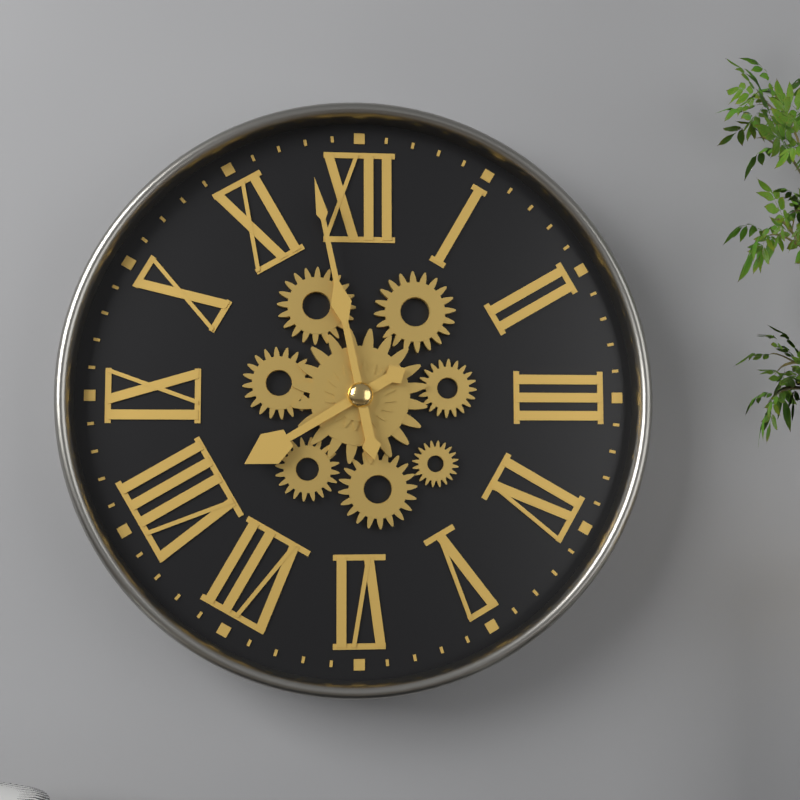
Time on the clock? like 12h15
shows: 7h58
